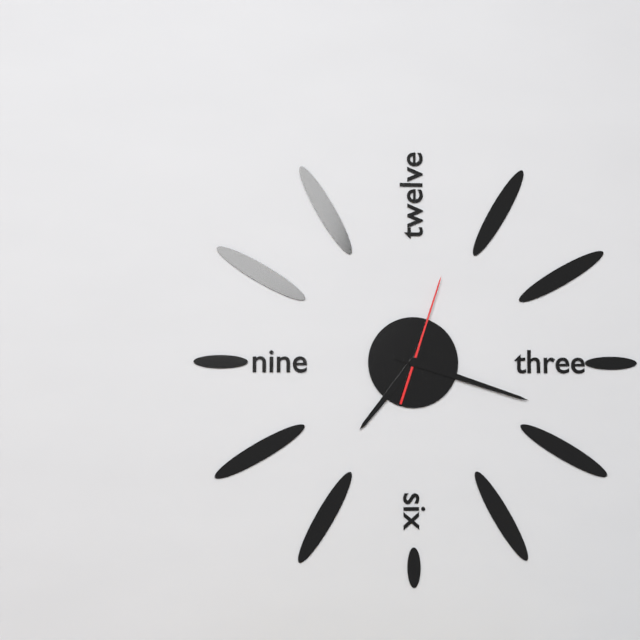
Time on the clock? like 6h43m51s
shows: 7h18m03s
